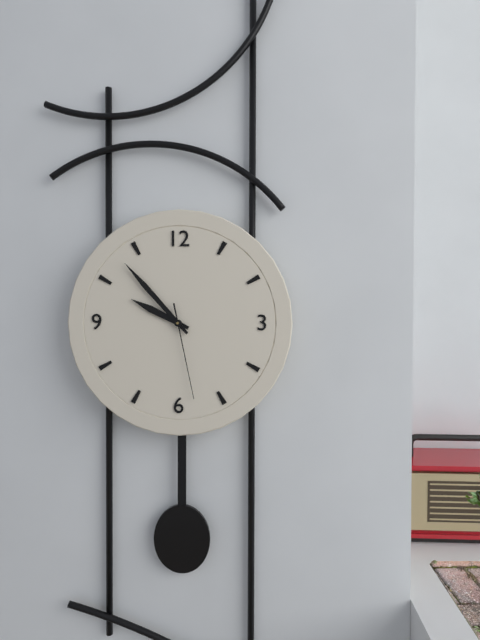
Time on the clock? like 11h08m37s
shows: 9h53m28s
